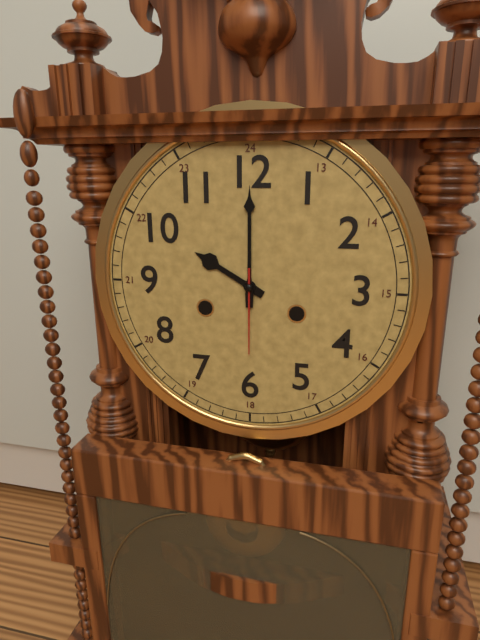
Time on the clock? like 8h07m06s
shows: 10h00m30s
